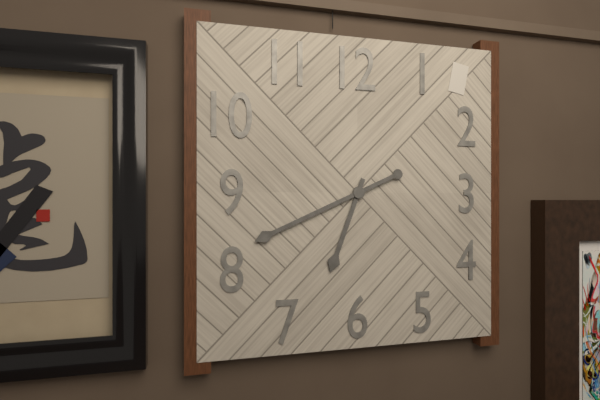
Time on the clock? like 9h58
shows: 6h41
